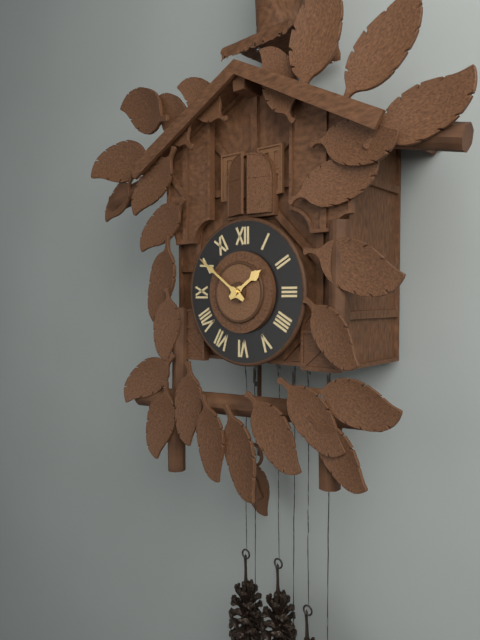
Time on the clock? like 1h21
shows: 1h51
